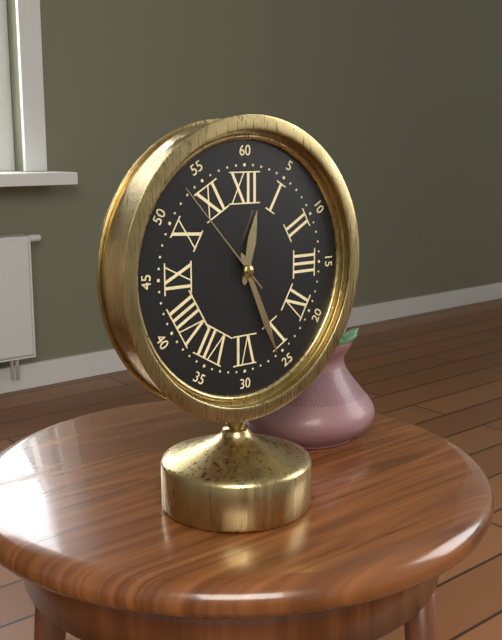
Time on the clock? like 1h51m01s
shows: 12h26m53s
